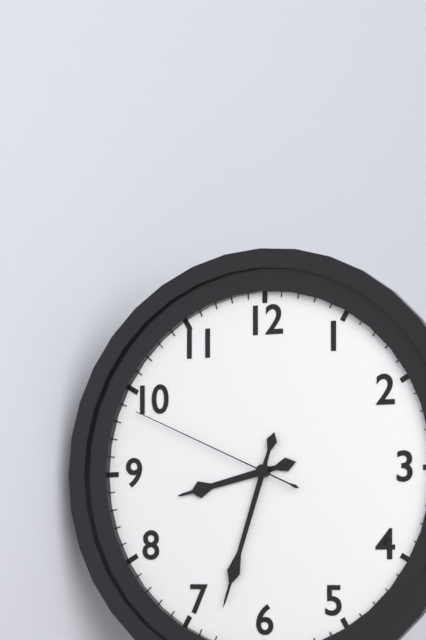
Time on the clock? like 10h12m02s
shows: 8h33m49s
